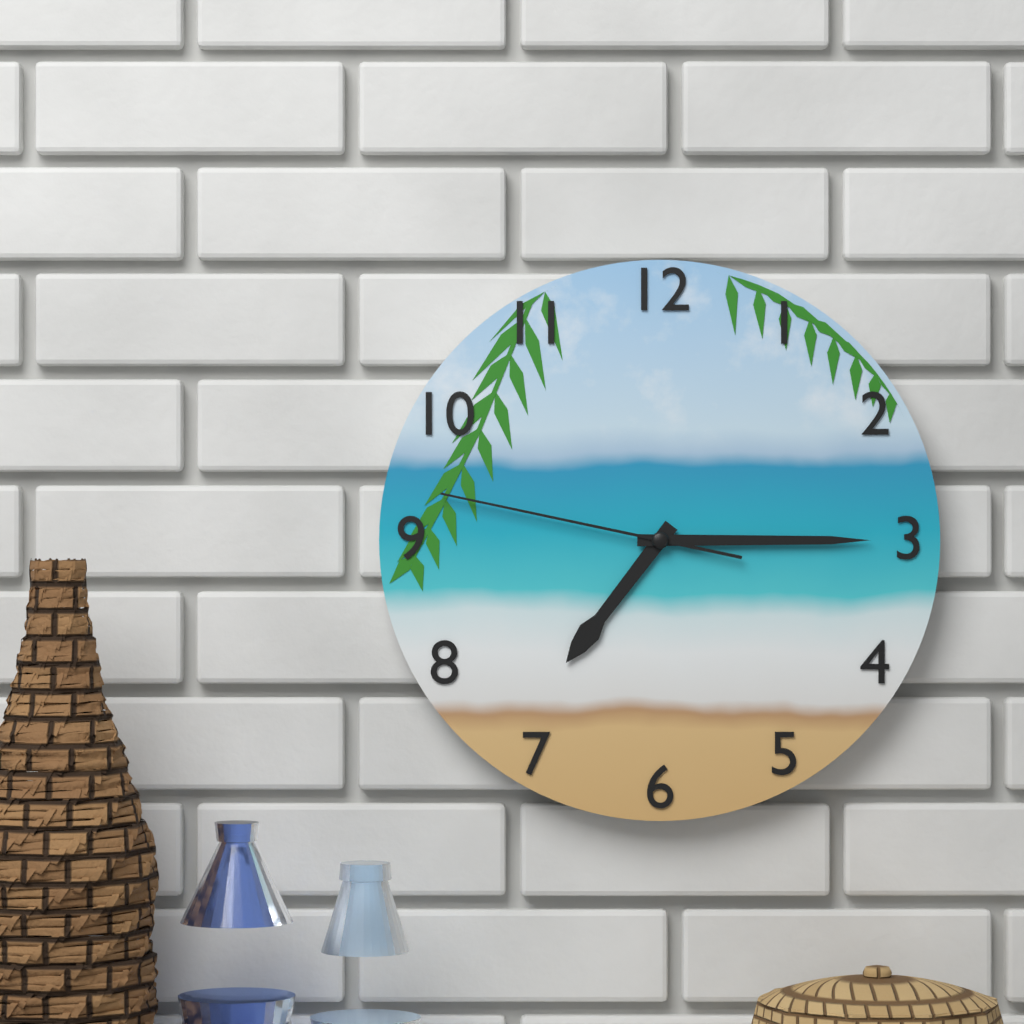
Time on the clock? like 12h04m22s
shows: 7h15m47s
